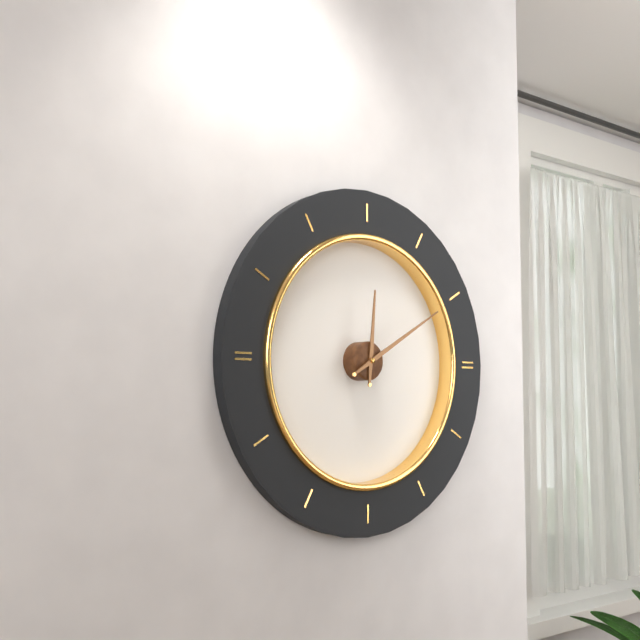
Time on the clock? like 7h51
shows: 12h10
